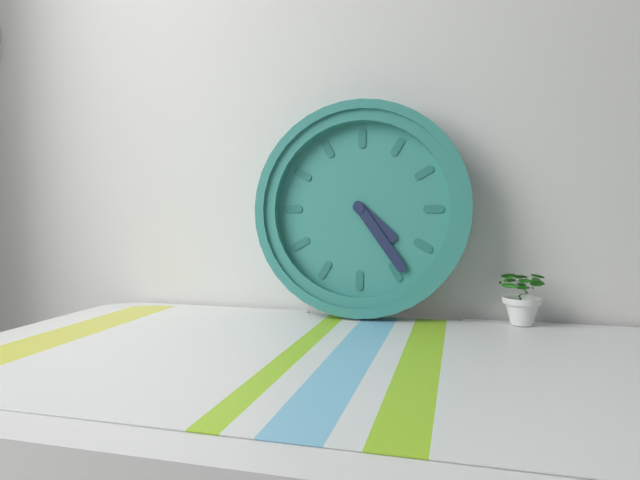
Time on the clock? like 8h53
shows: 4h24
